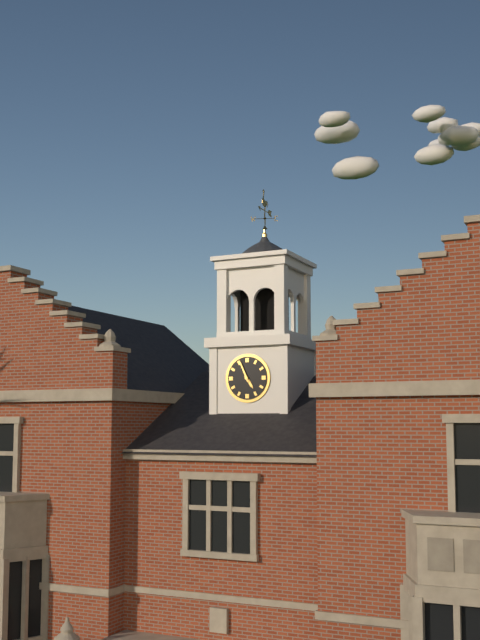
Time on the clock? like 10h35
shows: 4h56
